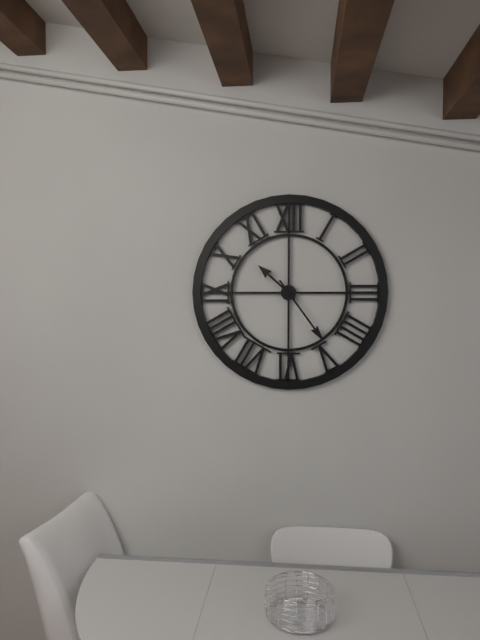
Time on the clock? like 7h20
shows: 10h24
